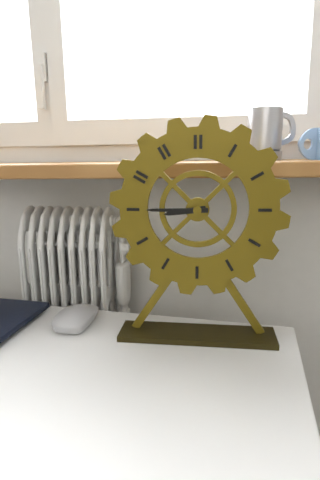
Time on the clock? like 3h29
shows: 8h45
